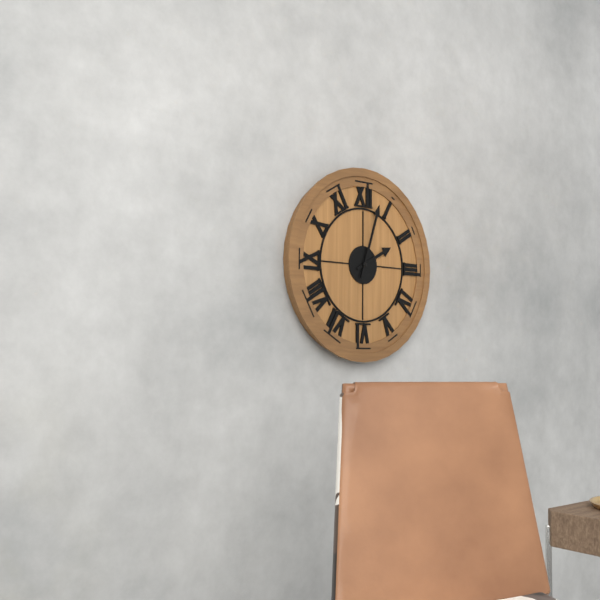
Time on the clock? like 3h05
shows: 2h03
